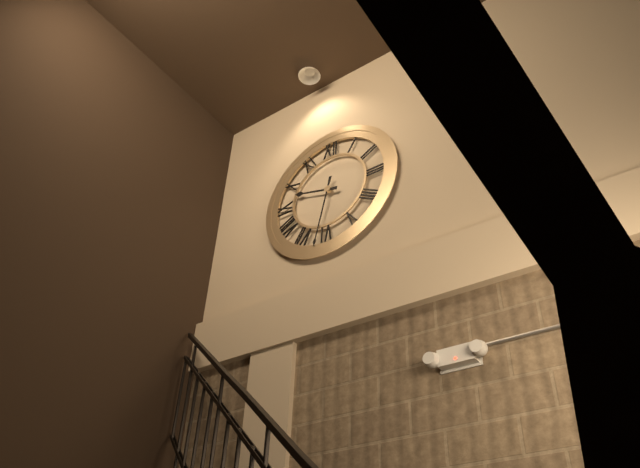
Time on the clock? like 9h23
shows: 9h32
